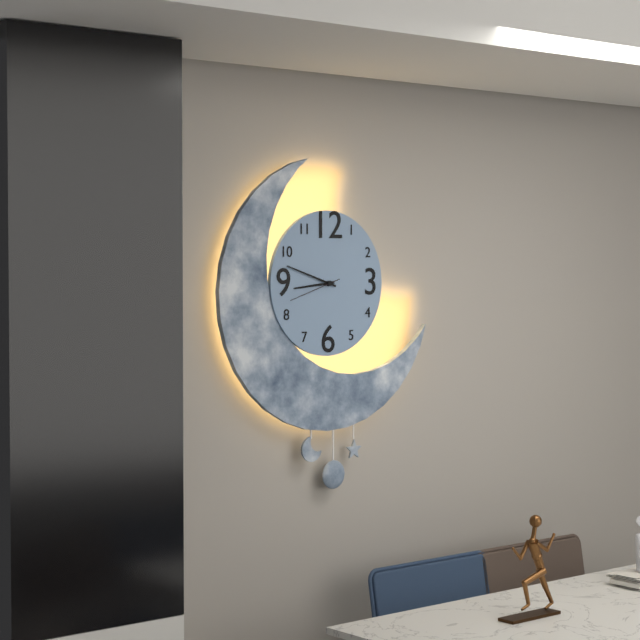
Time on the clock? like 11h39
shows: 8h48
